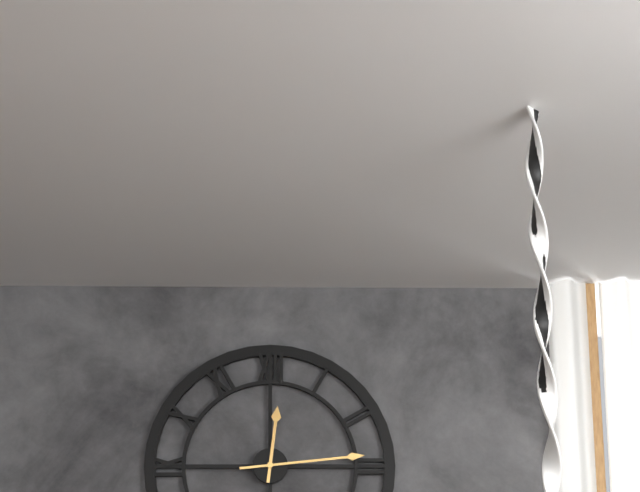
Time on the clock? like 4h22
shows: 12h14
